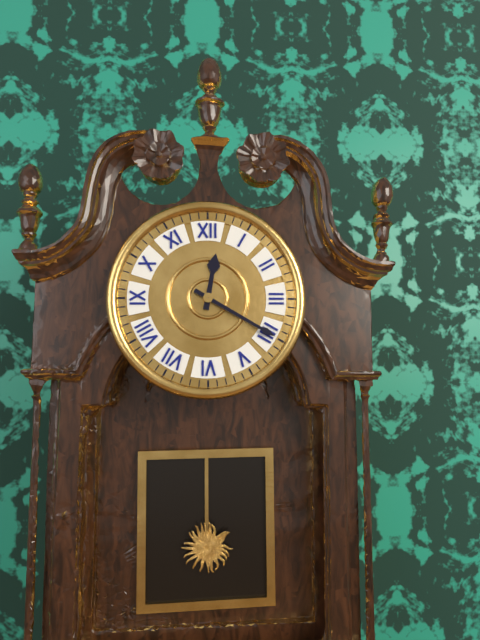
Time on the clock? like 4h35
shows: 12h20
